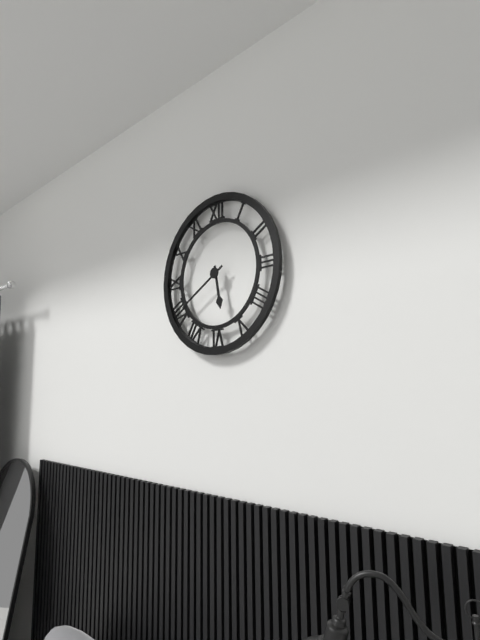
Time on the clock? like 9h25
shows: 5h40
